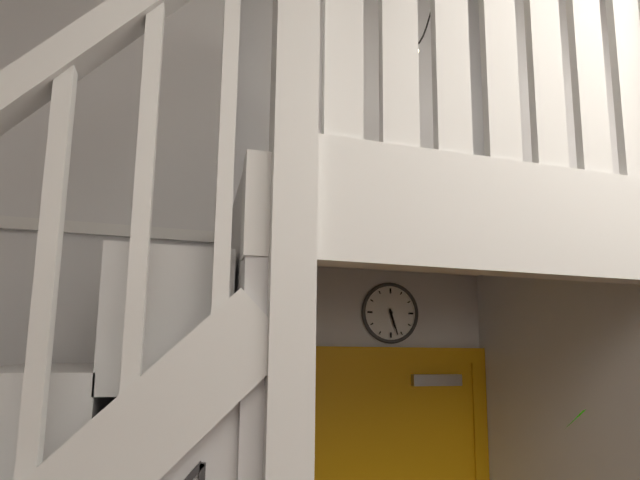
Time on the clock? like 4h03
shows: 5h27
